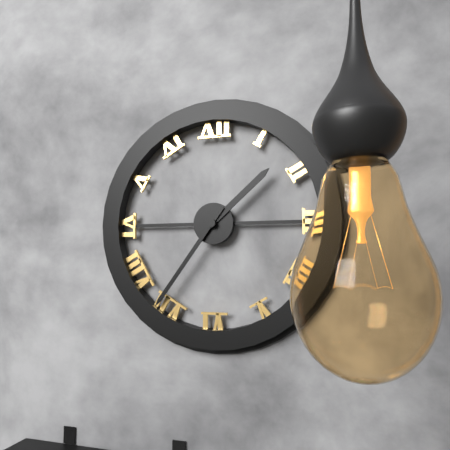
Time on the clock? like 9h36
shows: 1h36
